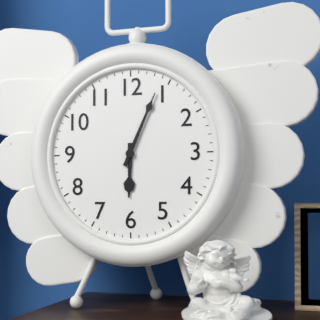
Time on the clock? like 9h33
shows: 6h04
